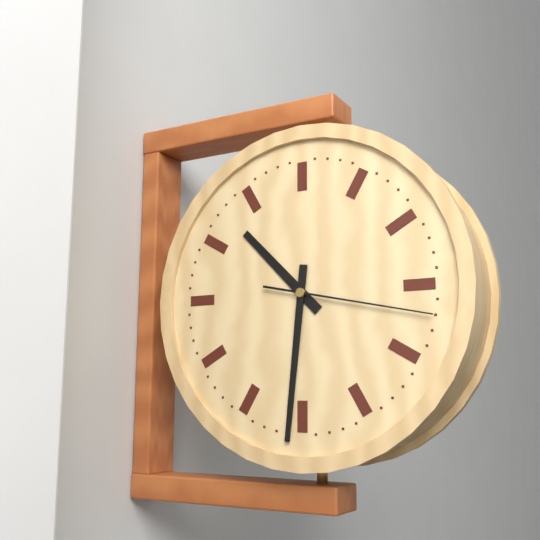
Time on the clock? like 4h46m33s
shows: 10h31m17s
